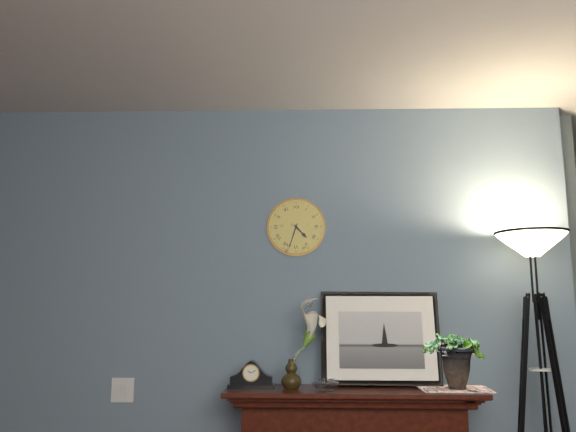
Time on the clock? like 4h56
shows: 4h33
